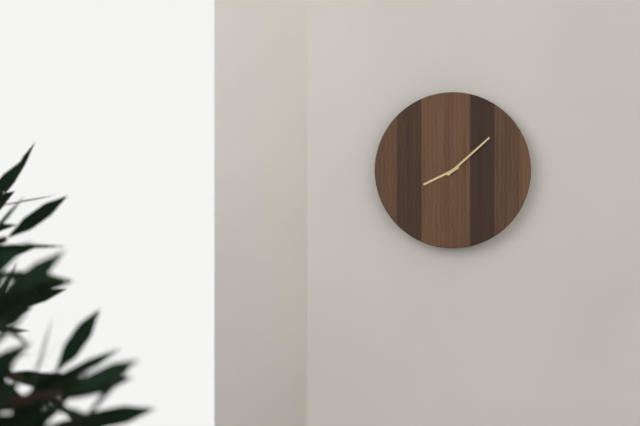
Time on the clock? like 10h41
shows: 8h08
